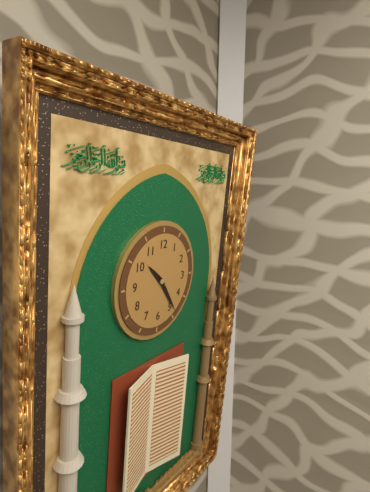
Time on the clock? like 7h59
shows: 10h24
